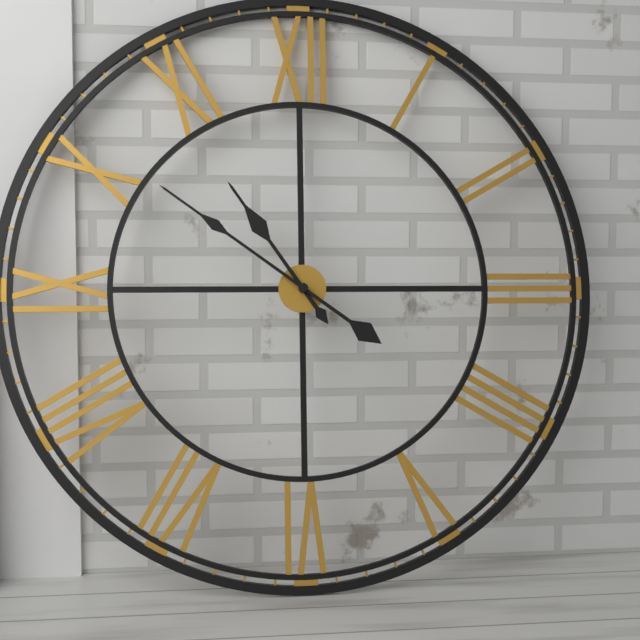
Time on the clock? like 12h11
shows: 10h51
